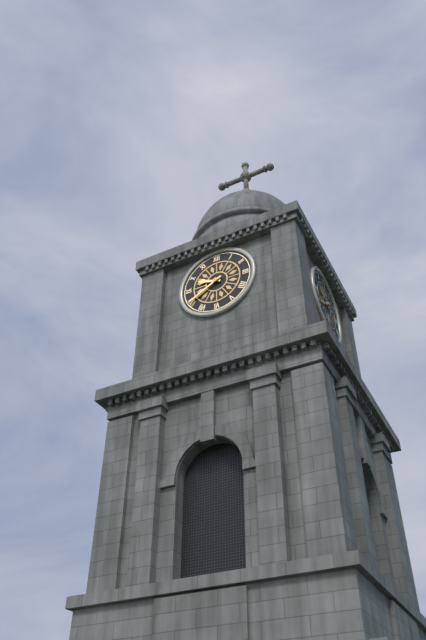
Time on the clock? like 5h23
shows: 9h40
